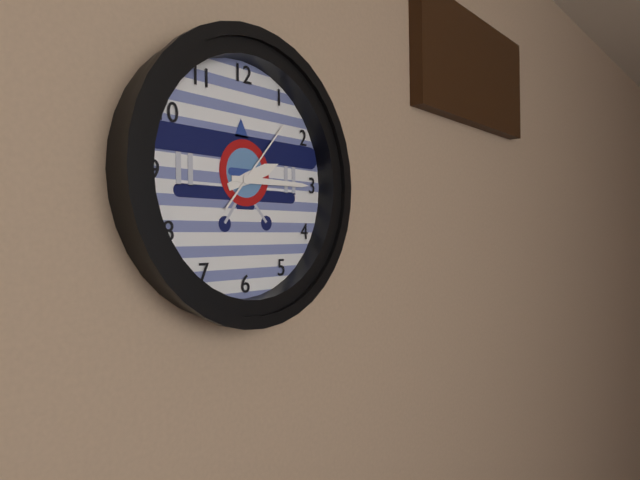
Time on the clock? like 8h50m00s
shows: 2h15m07s
